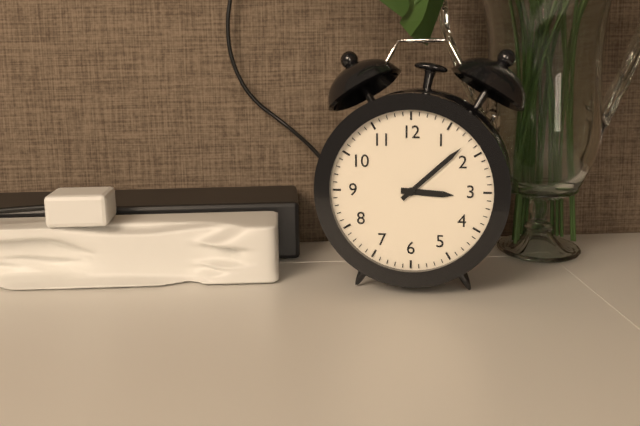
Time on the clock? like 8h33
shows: 3h08
